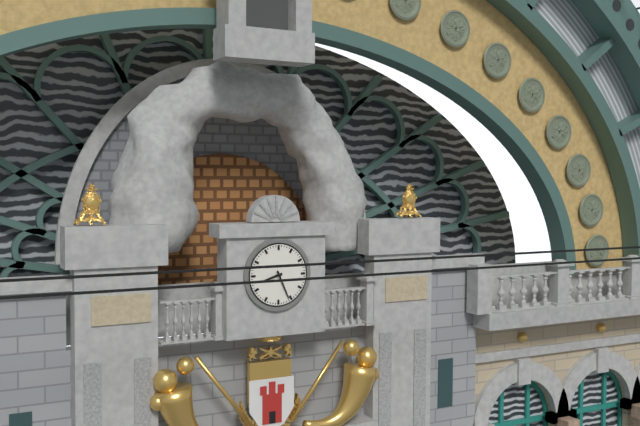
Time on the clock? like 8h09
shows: 8h26
